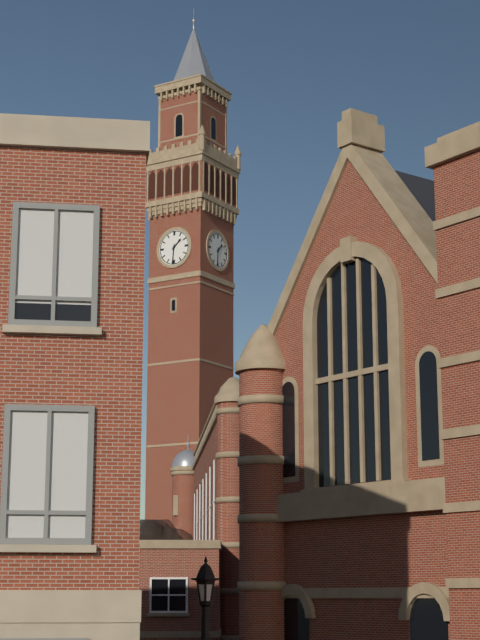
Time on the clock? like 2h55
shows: 1h31
